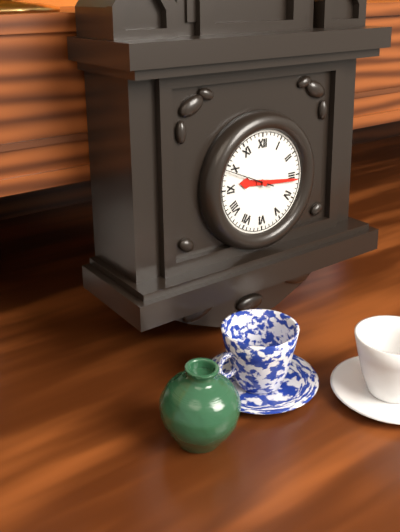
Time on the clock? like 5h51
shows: 9h16
